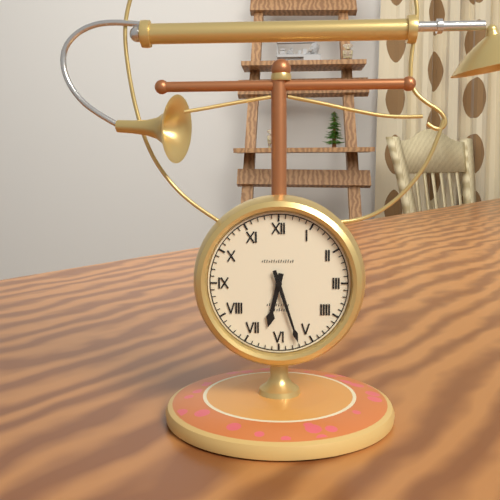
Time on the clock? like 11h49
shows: 6h27
